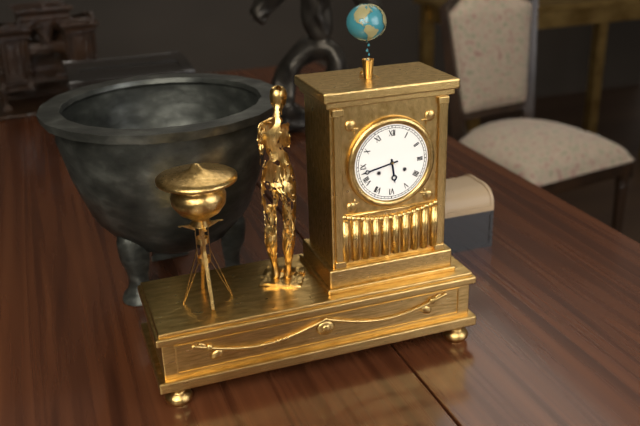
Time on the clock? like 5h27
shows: 5h43
